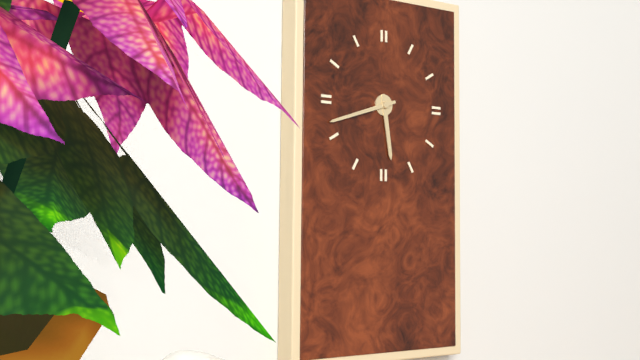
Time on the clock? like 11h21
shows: 5h42
